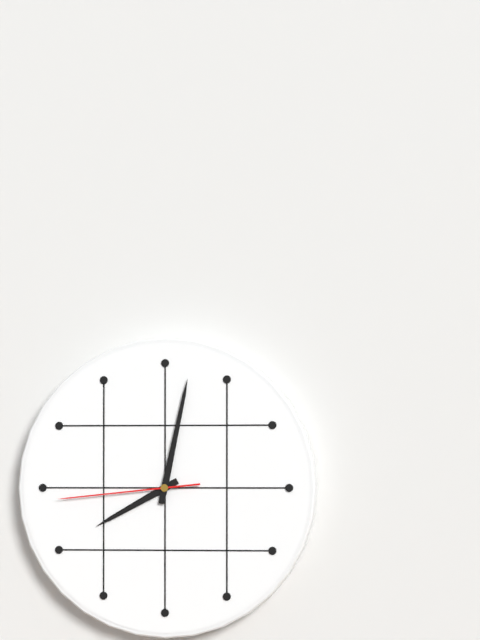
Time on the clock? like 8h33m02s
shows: 8h02m44s
